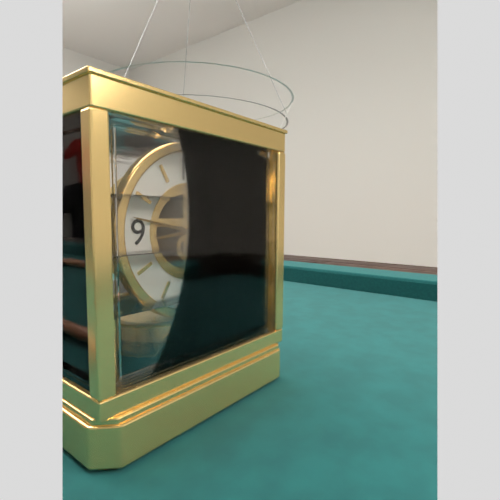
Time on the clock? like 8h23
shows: 8h47
